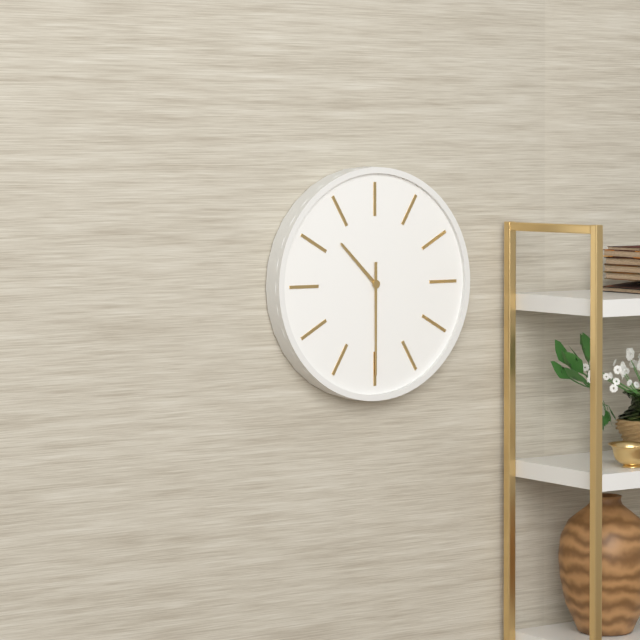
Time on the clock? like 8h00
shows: 10h30
